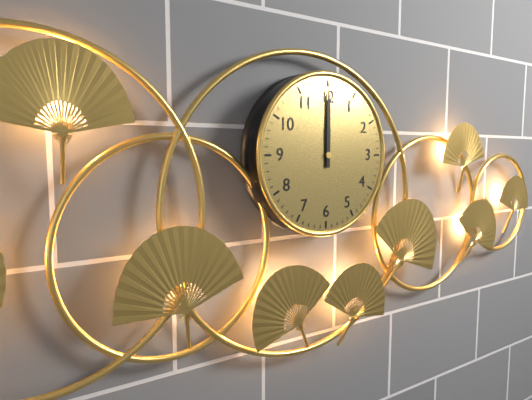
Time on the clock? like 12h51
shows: 12h00
